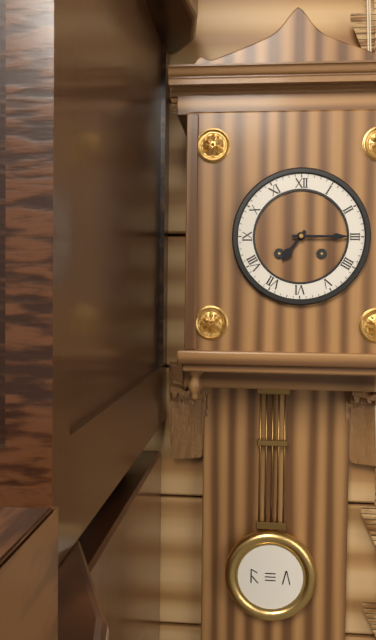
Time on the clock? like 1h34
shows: 7h15
